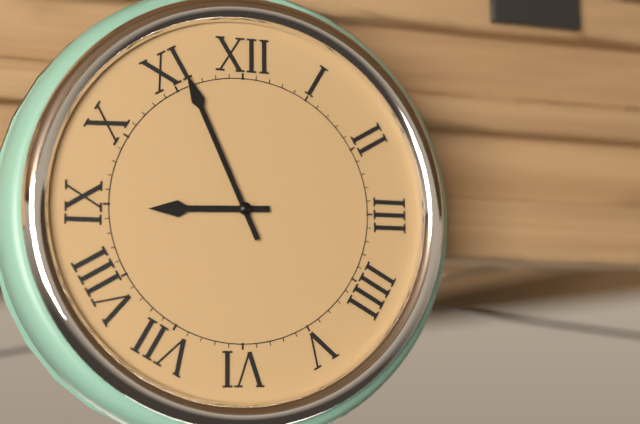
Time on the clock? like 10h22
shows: 8h56
